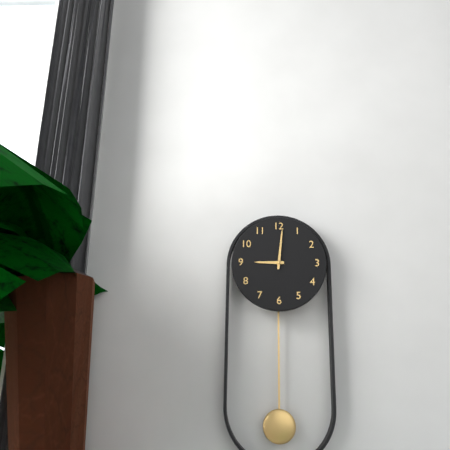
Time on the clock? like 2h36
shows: 9h01
